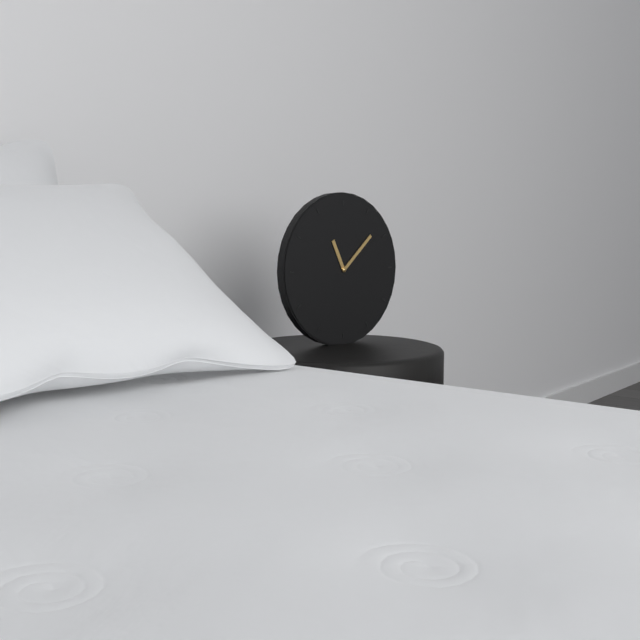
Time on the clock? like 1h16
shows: 11h08
